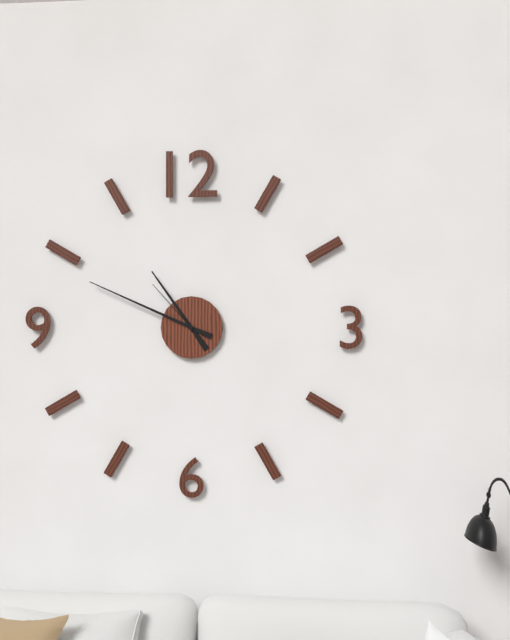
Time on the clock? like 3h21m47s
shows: 10h49m53s
